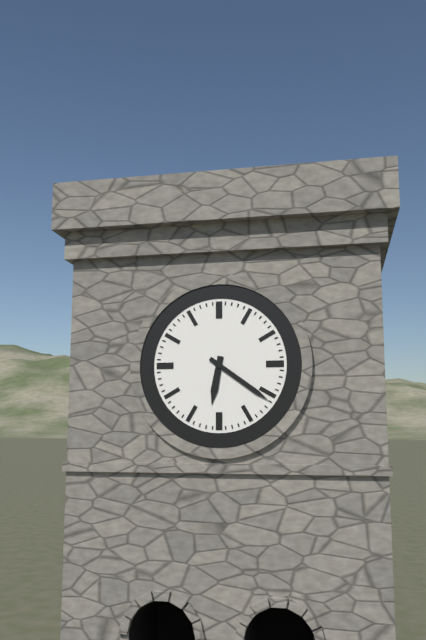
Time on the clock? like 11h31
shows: 6h21
